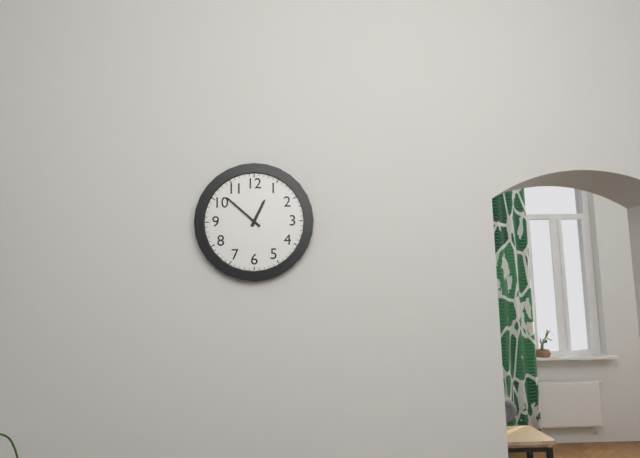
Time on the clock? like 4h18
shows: 12h52
